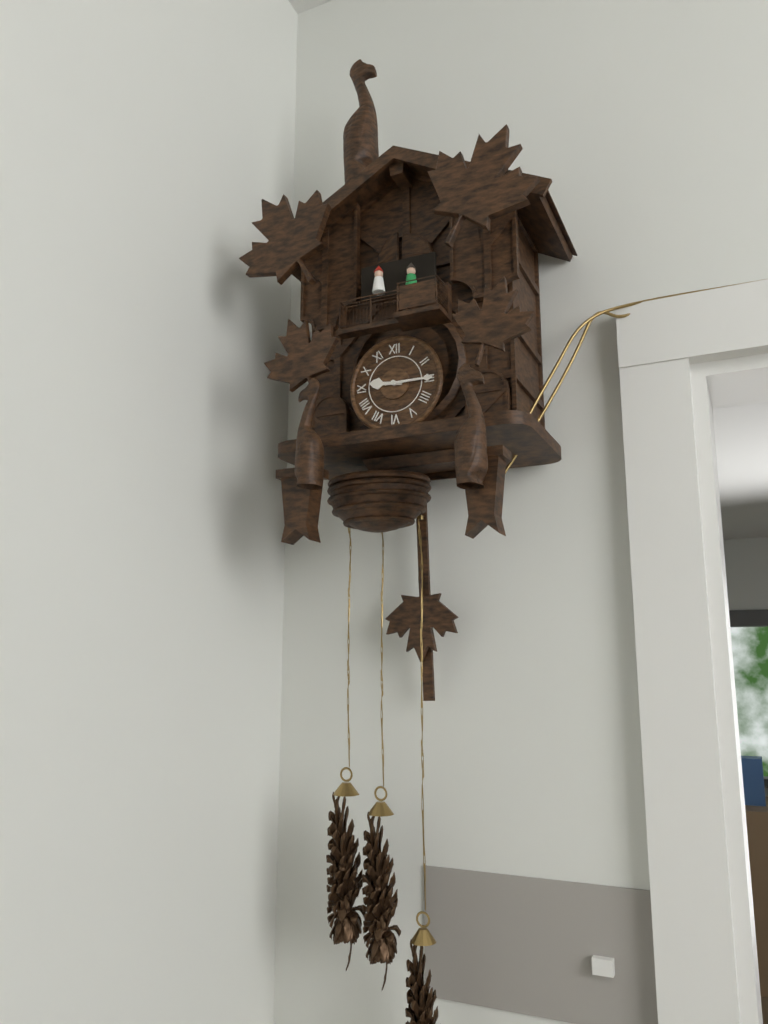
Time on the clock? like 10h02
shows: 9h15
